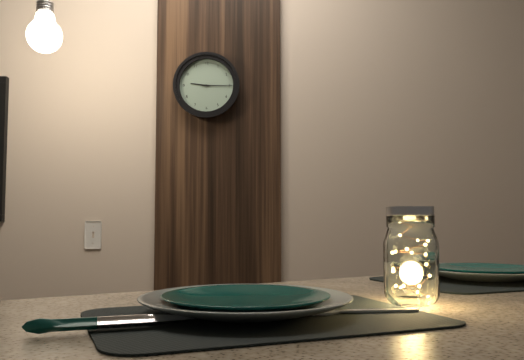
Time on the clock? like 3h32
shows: 9h15
